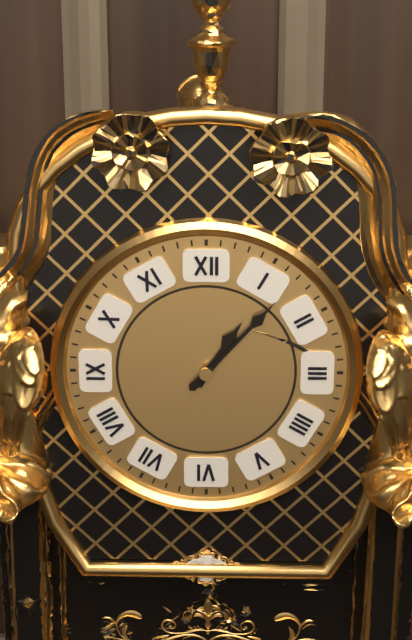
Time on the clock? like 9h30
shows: 1h07
